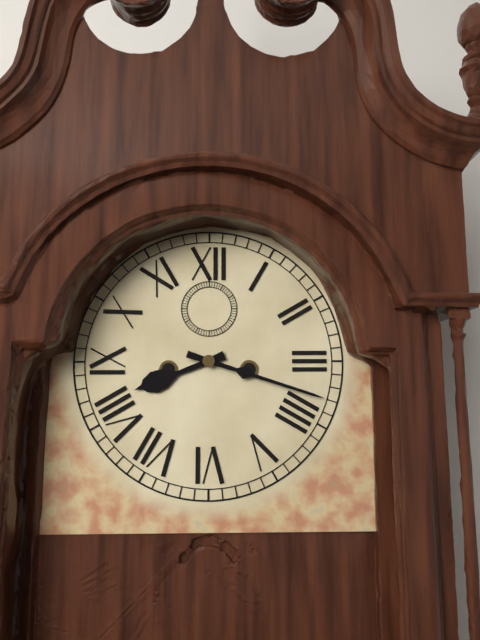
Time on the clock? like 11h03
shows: 8h18
